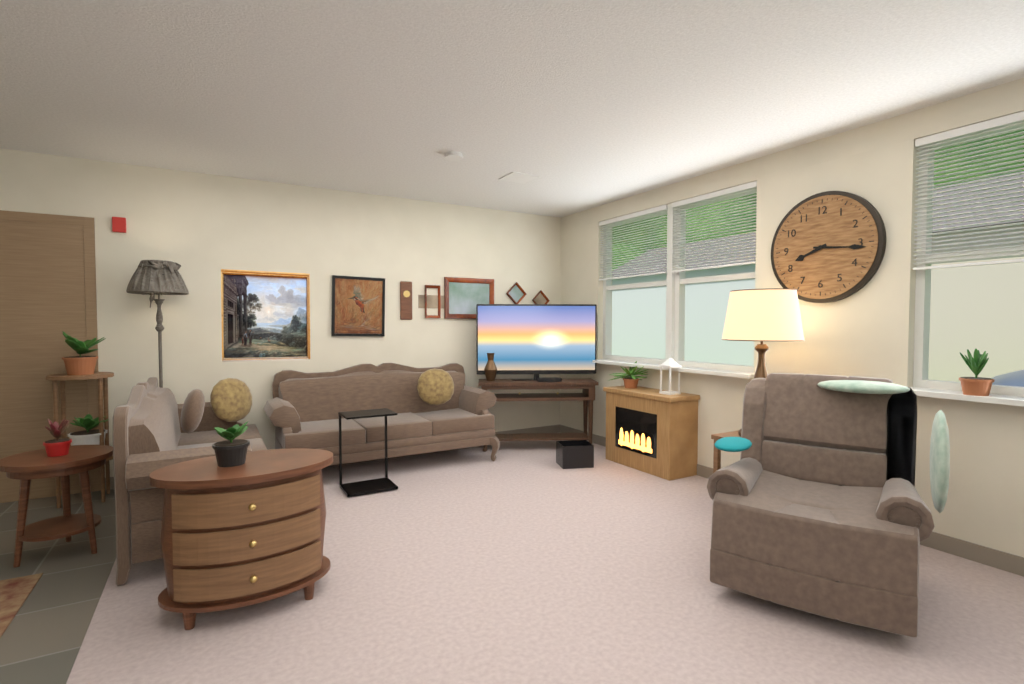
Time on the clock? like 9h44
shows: 8h16
